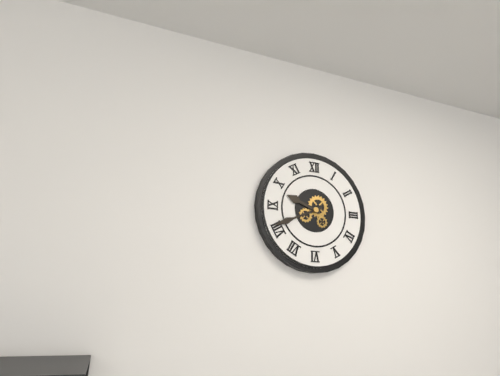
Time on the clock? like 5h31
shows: 9h41
